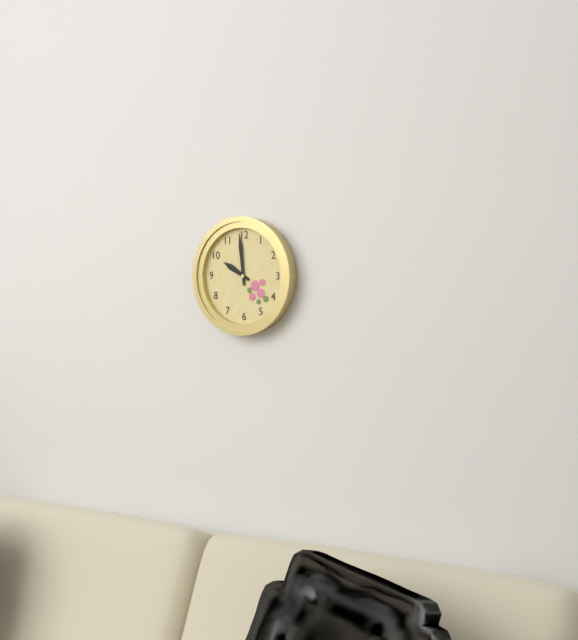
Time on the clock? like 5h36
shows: 9h59
